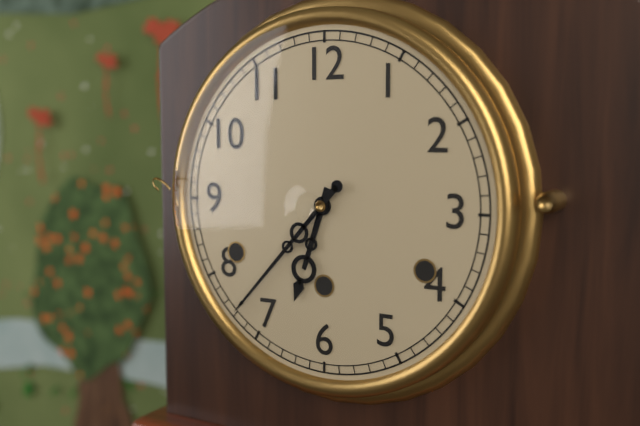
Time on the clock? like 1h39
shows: 6h37
